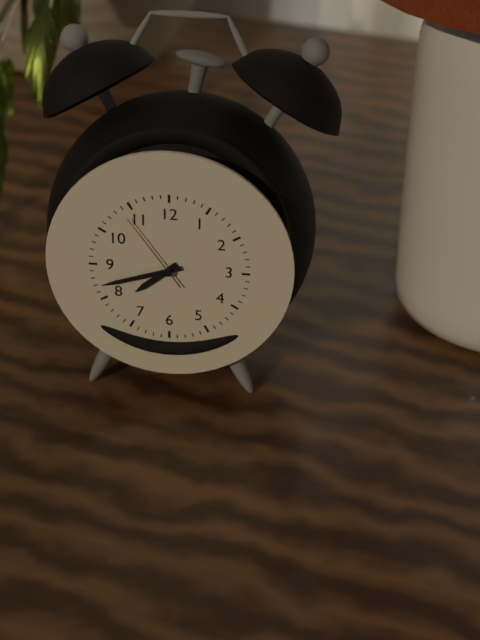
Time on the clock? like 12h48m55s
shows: 7h42m54s
